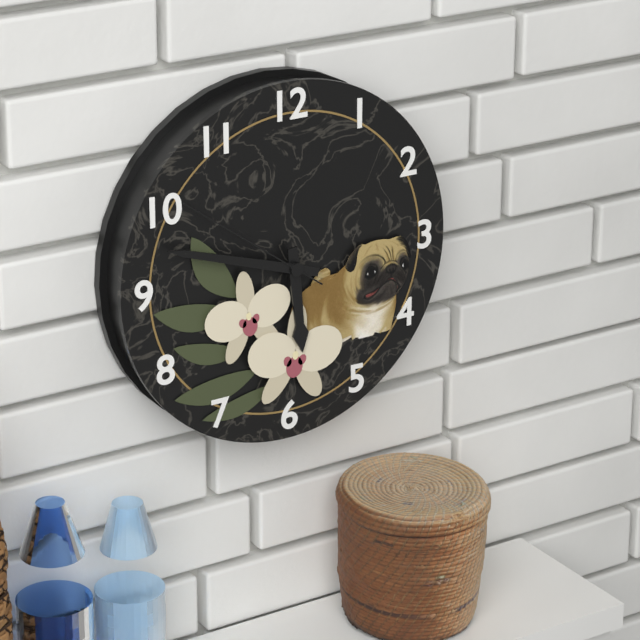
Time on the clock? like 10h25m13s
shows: 5h48m51s
